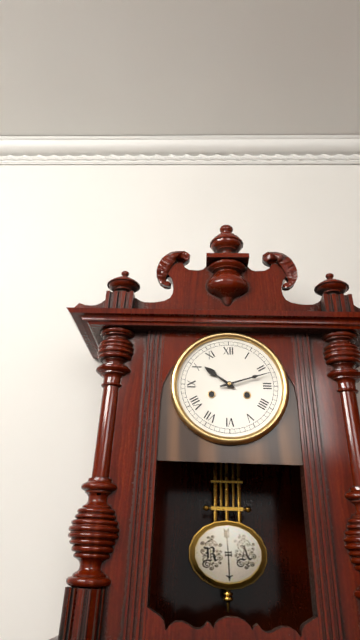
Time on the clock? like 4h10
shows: 10h12
